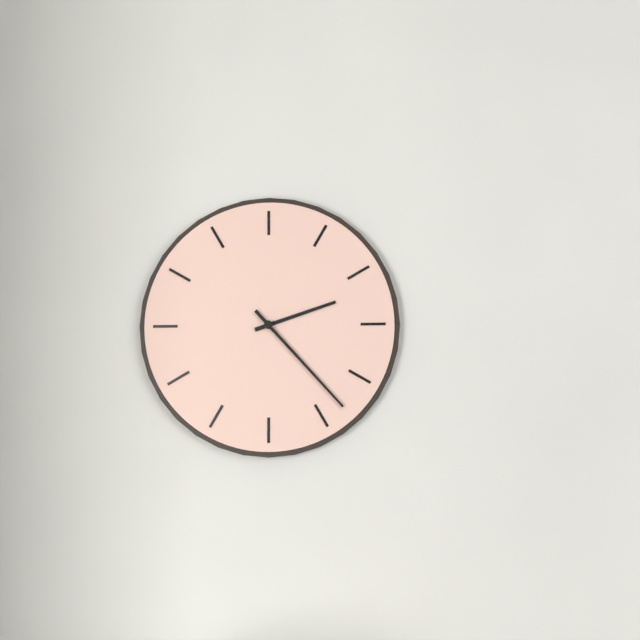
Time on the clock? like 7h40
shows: 2h23
